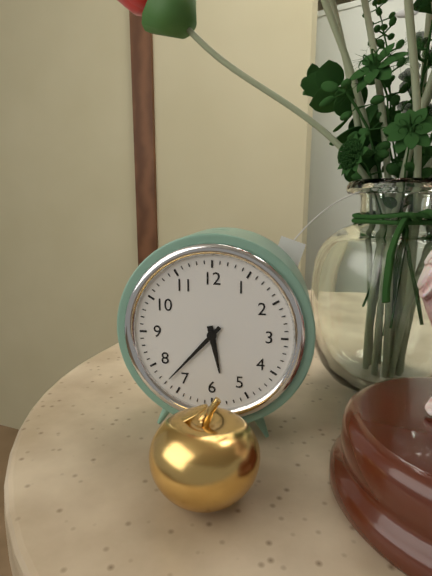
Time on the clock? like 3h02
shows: 5h37
